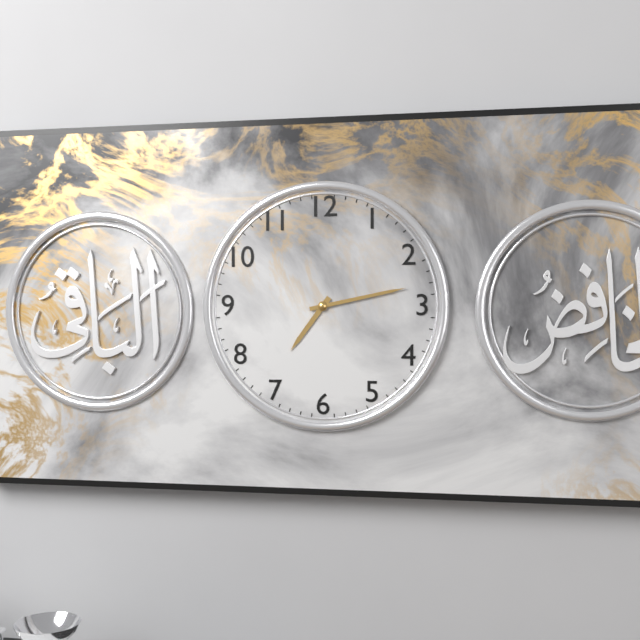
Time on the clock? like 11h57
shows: 7h13
